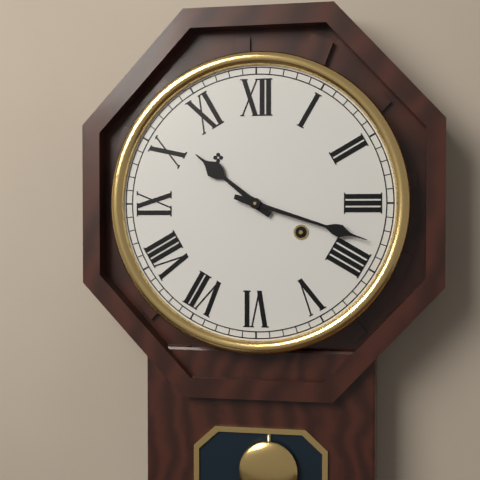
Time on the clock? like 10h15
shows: 10h18
